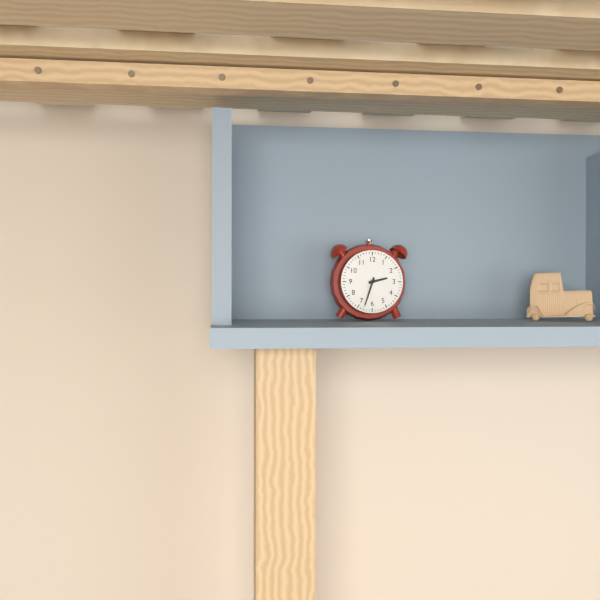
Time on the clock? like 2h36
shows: 2h33
